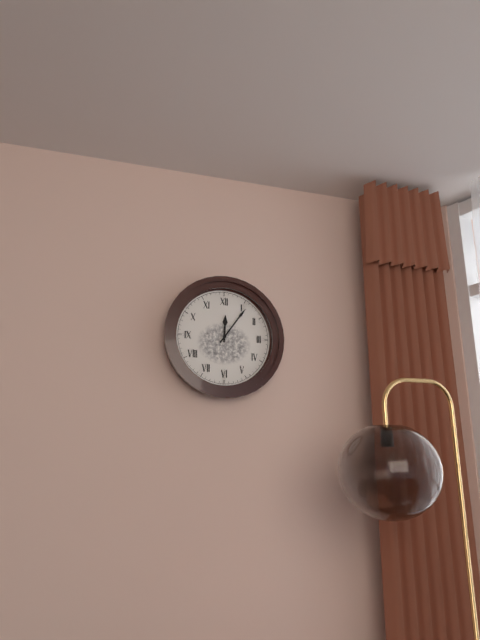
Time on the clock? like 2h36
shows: 12h06
